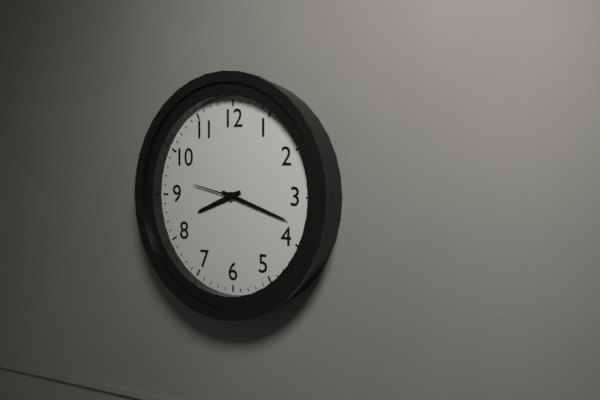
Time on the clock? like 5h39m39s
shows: 8h18m47s
